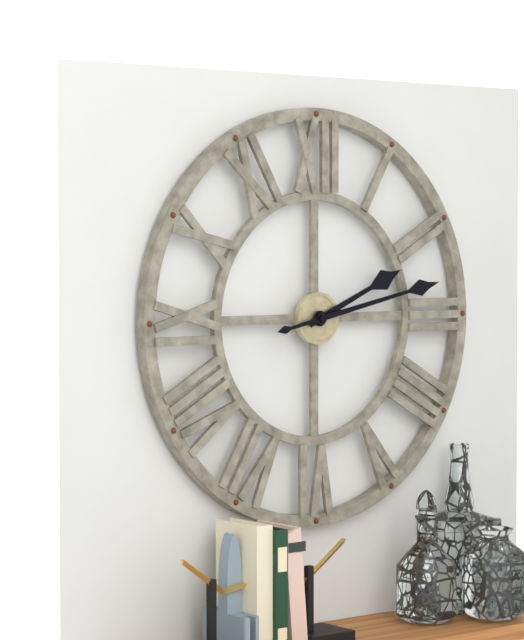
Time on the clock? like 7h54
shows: 2h13
